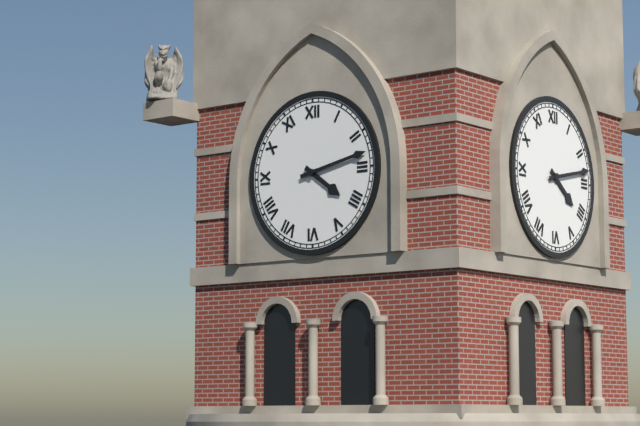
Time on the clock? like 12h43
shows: 4h13
